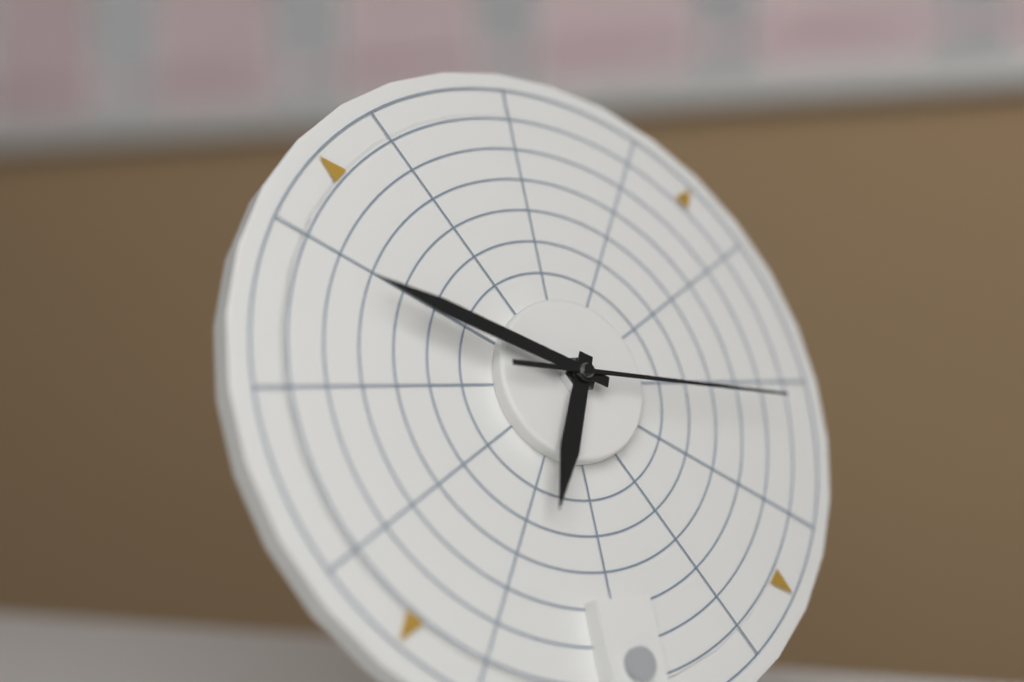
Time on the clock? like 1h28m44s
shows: 6h49m16s
